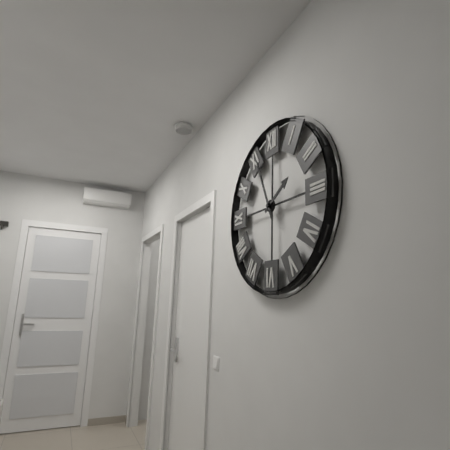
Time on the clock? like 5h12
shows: 1h56
